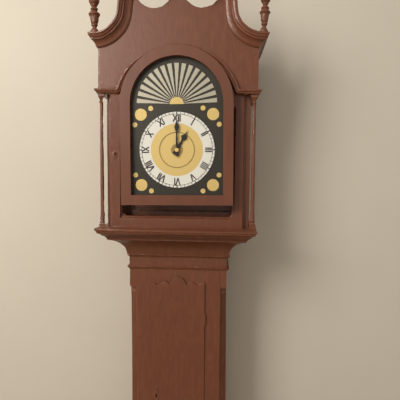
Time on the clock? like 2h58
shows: 1h00
